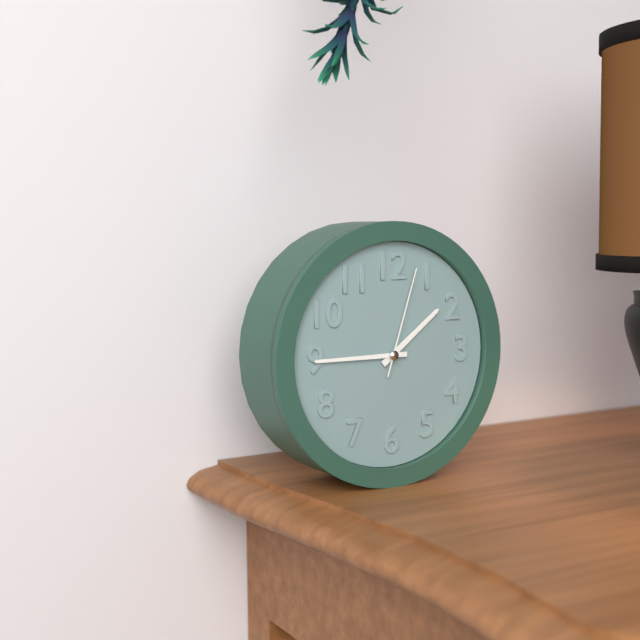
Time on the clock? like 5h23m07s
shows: 1h45m03s
